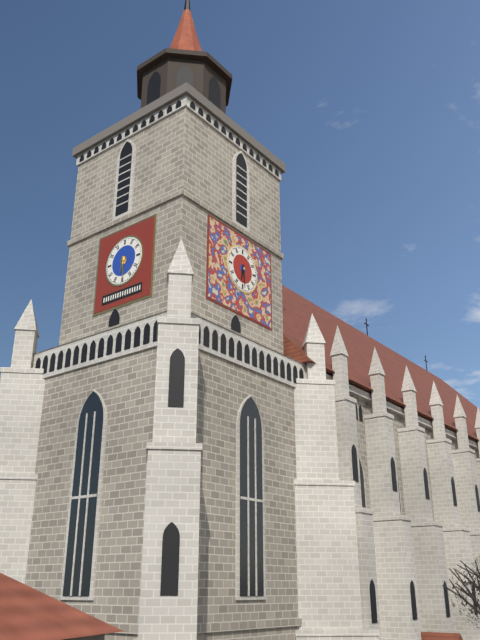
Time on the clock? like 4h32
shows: 6h29
